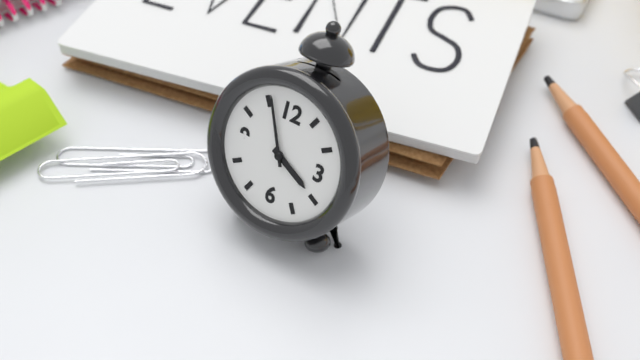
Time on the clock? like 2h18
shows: 3h56
